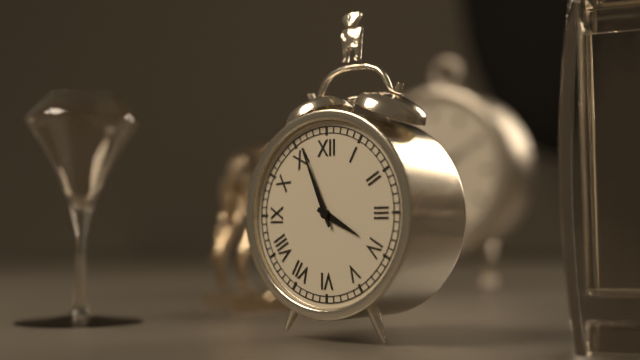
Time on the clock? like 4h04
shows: 3h56
